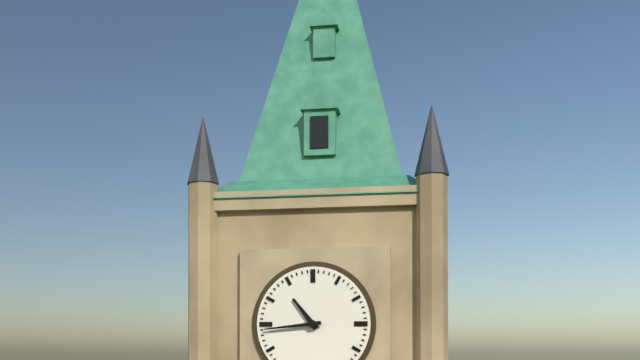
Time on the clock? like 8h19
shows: 10h44
